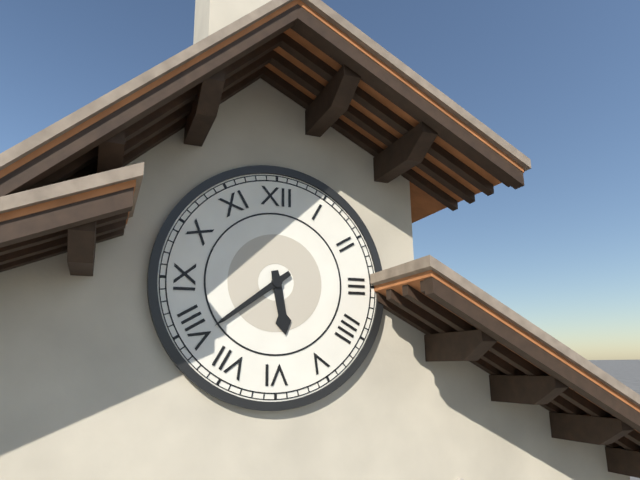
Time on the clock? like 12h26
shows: 5h39
